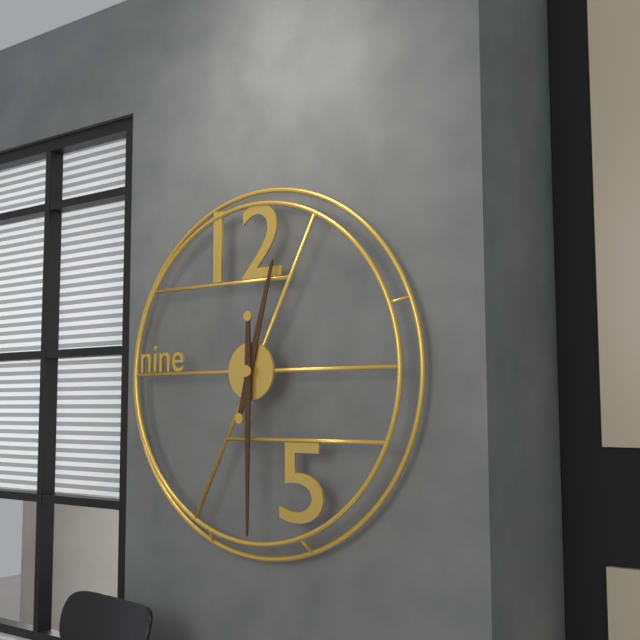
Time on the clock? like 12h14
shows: 12h30
